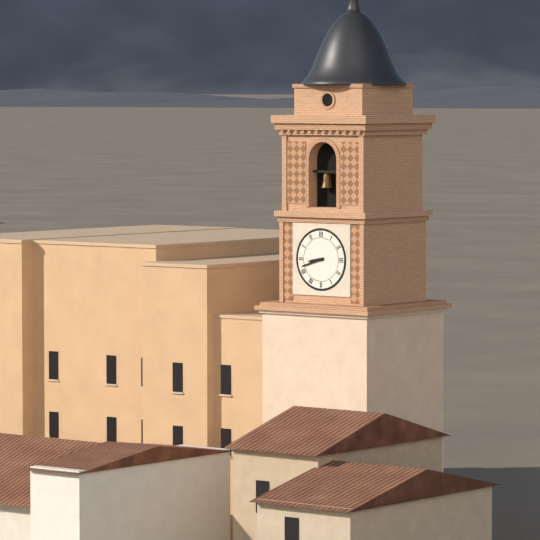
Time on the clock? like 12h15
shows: 8h42
